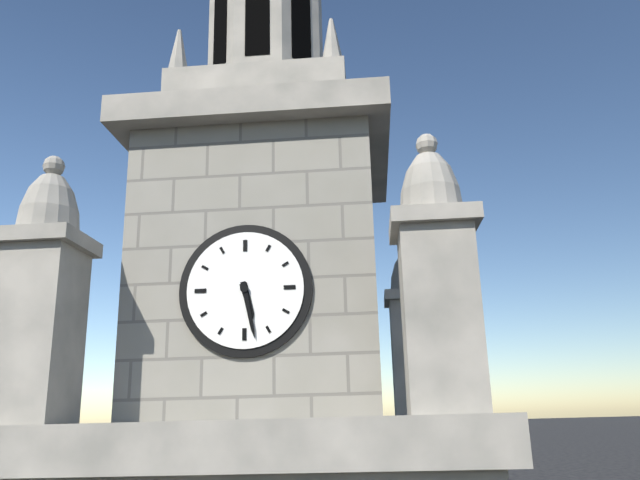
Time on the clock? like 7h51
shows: 5h28
